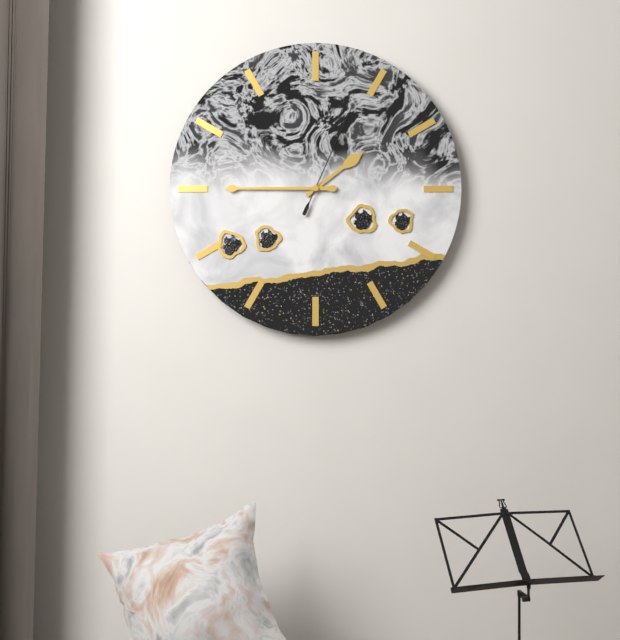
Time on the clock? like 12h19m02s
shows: 1h45m04s
